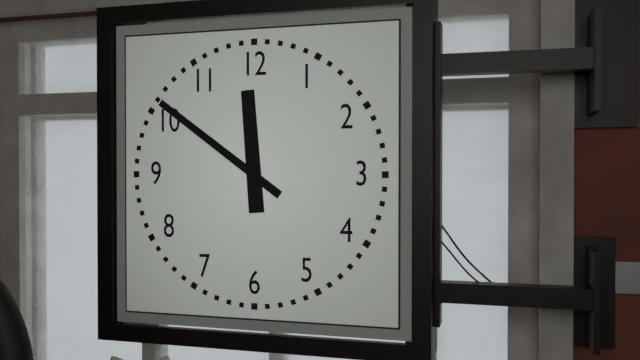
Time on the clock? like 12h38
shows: 11h51
